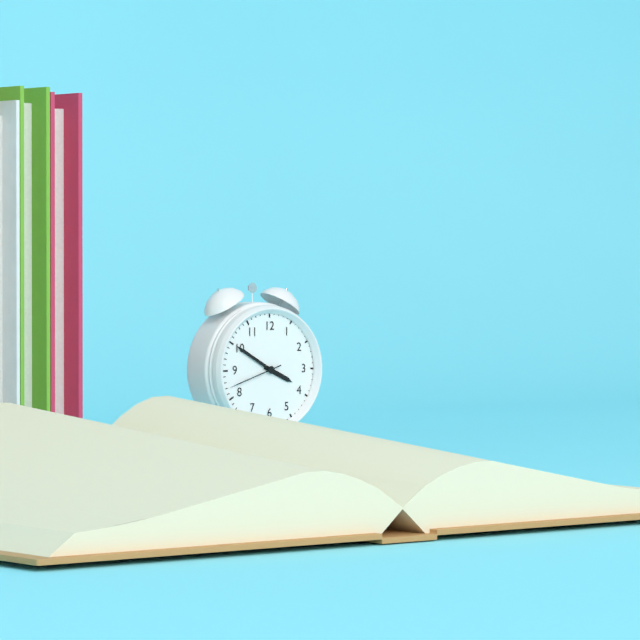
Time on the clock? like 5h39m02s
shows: 3h50m42s
